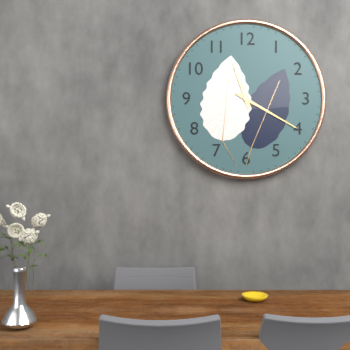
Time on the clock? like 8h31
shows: 11h20
